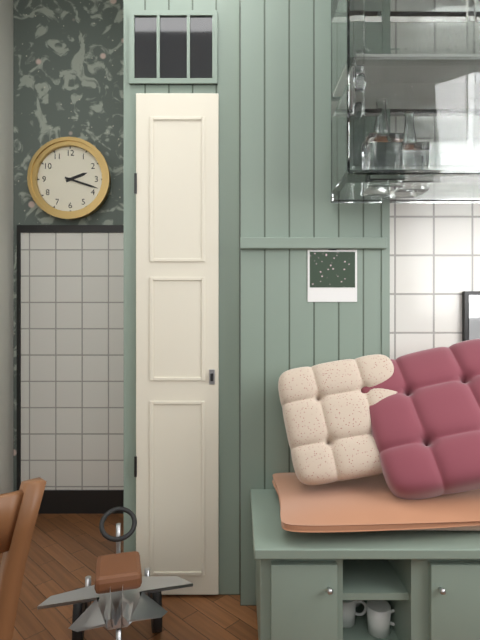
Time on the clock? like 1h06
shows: 2h18
